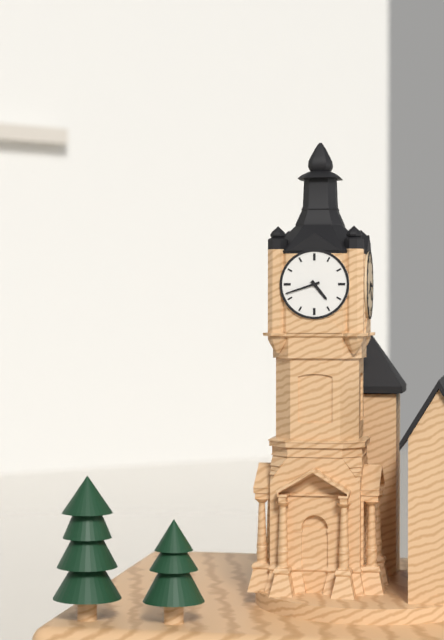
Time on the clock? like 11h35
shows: 4h42
